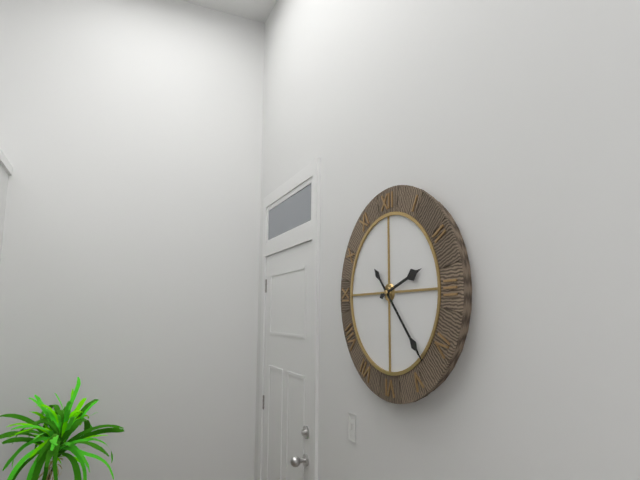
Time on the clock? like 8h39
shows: 2h23
